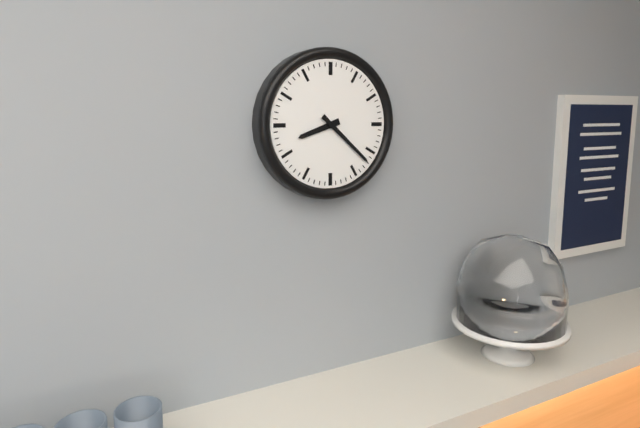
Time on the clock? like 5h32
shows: 8h22
